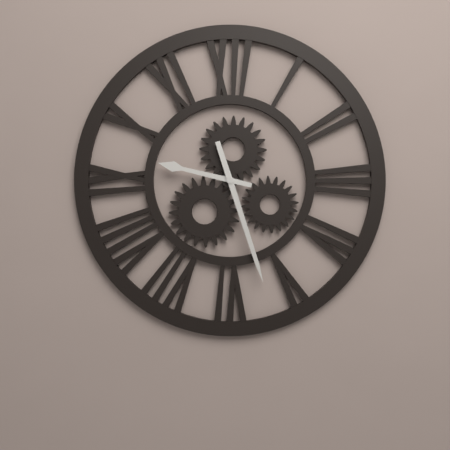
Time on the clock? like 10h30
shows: 9h27
